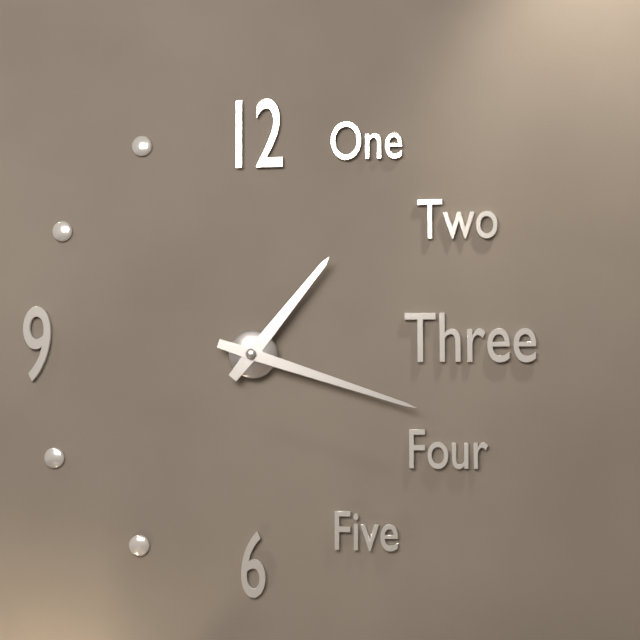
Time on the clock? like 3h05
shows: 1h18
